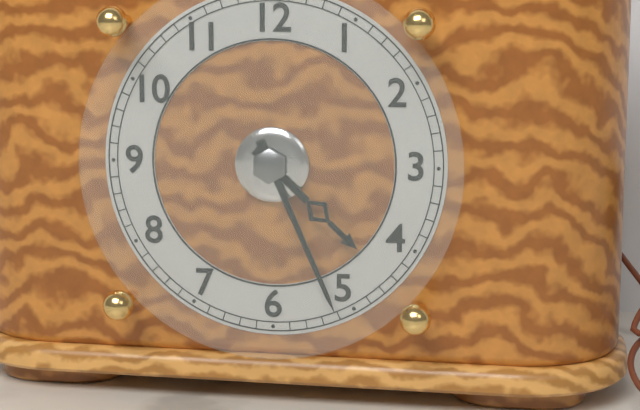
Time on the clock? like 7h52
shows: 4h26
